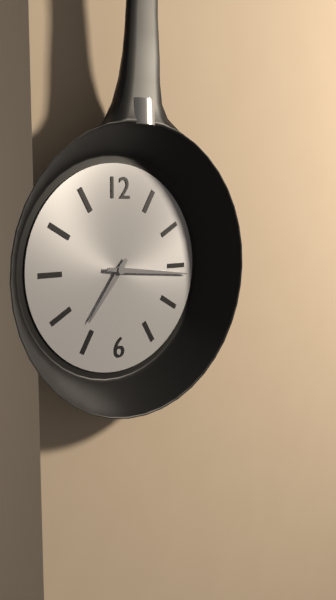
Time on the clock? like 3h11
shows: 7h16
